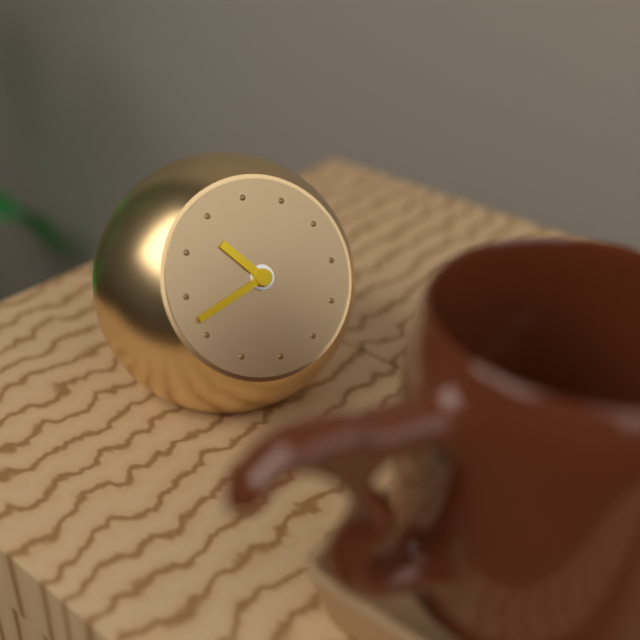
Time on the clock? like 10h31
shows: 10h42
